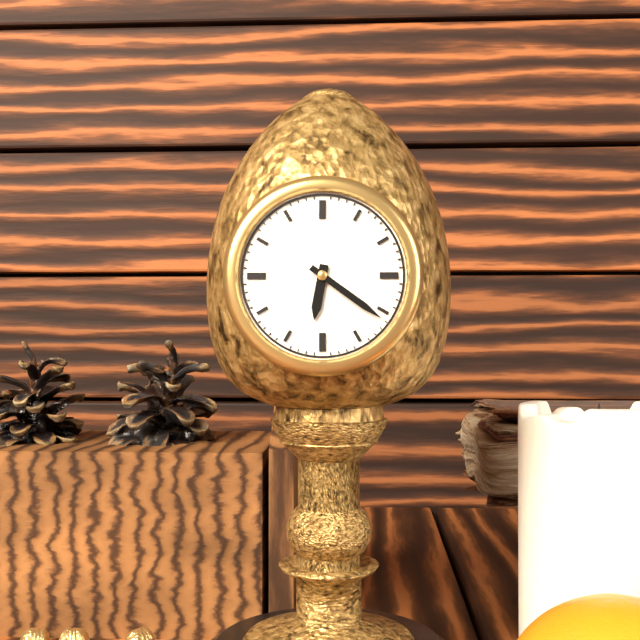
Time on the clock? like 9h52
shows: 6h21
